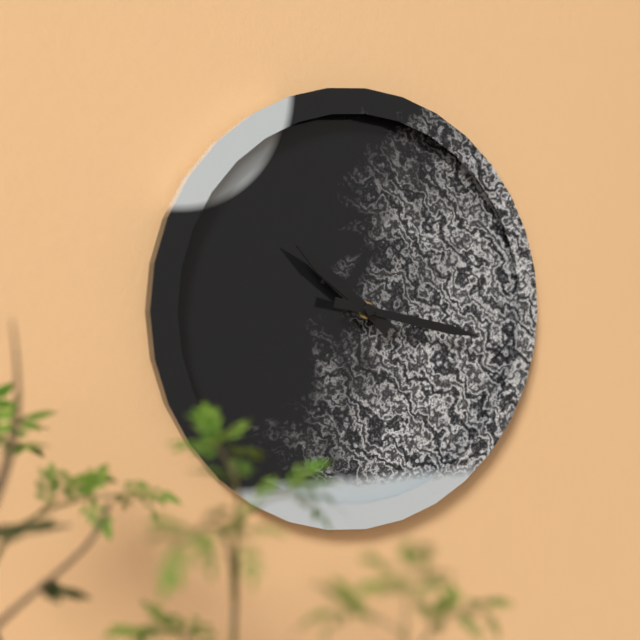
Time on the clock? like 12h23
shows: 10h17
